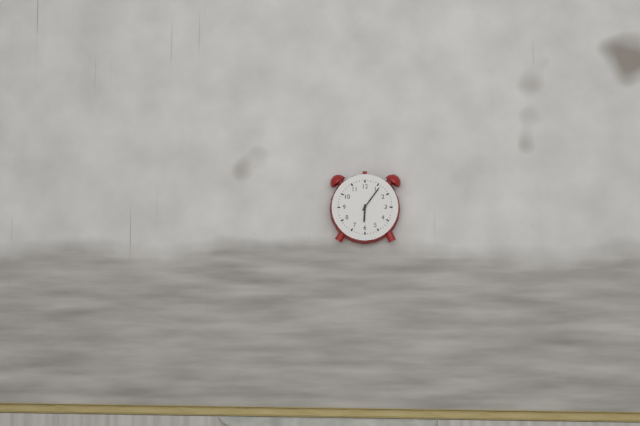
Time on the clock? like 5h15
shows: 6h06
